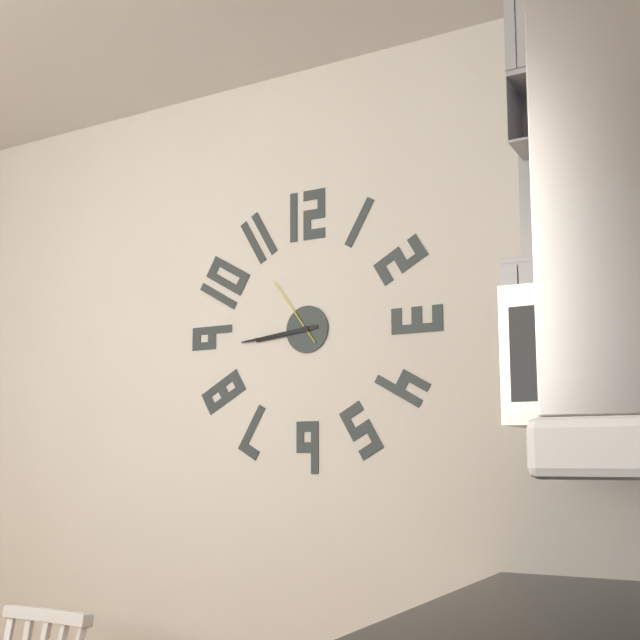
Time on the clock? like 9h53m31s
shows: 8h44m54s
